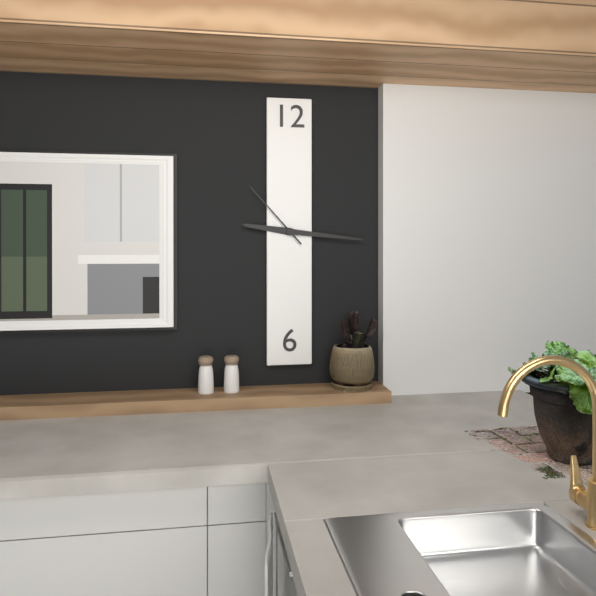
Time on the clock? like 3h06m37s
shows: 9h16m53s
